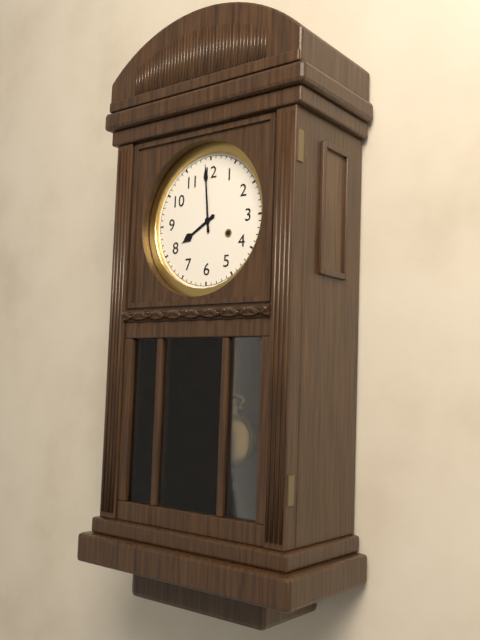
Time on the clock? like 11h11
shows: 7h59
